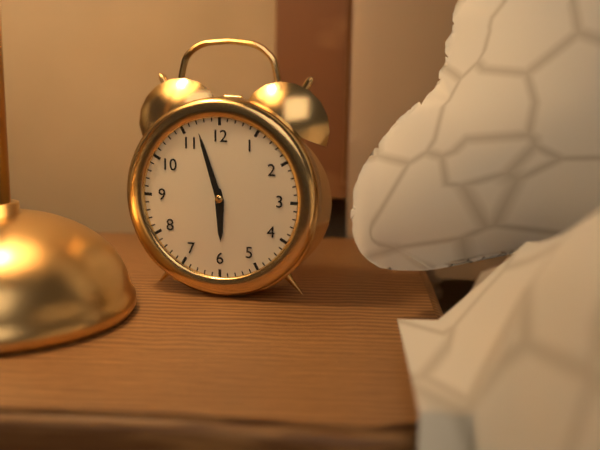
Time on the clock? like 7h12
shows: 5h57
